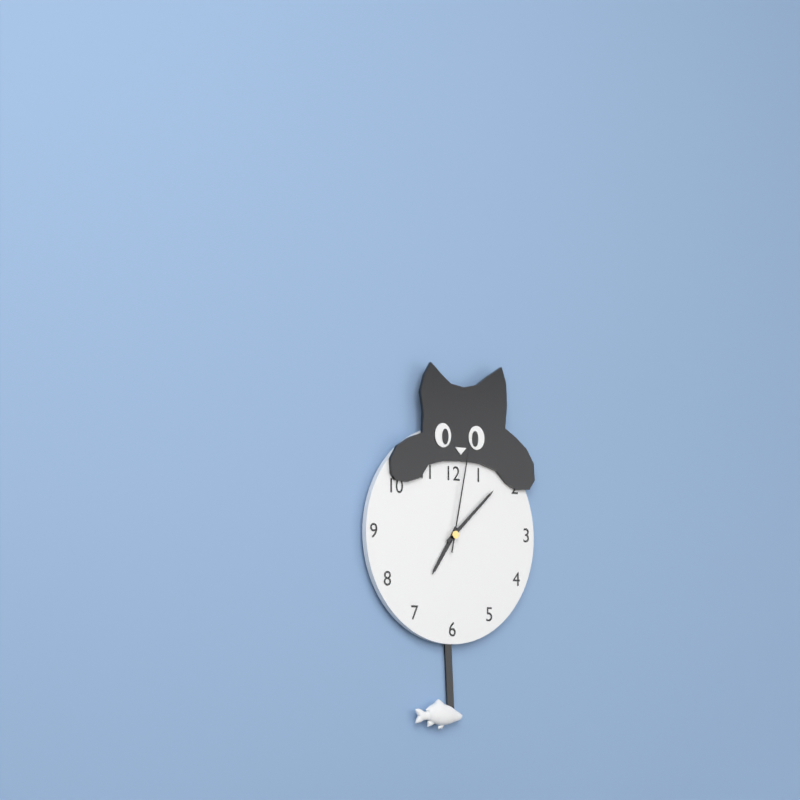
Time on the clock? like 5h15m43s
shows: 7h08m02s
